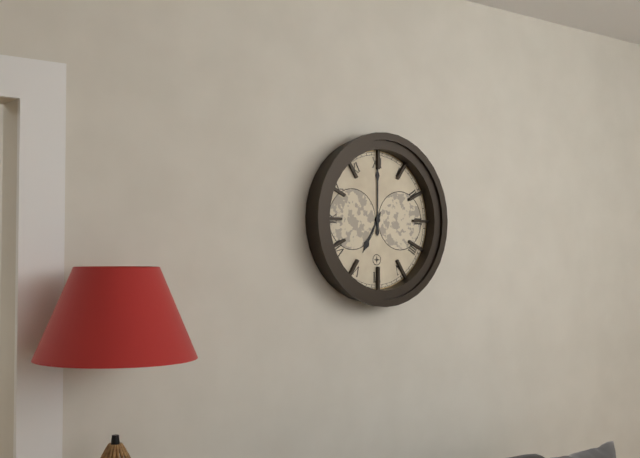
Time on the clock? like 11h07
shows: 7h00
